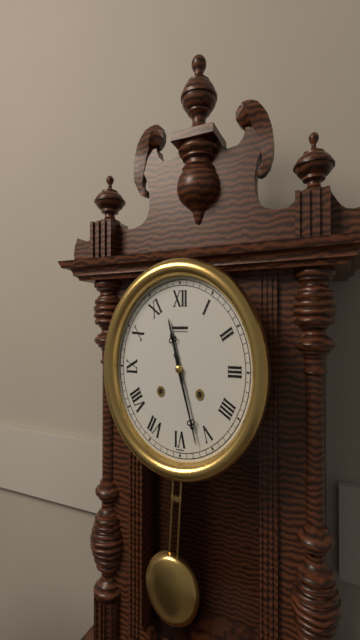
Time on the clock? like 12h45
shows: 11h27
